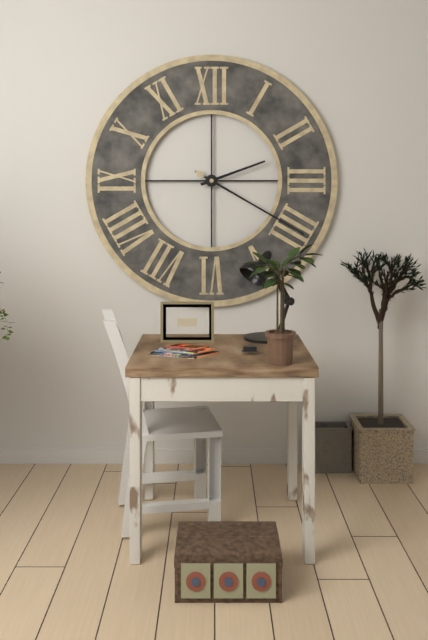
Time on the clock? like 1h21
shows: 2h20
